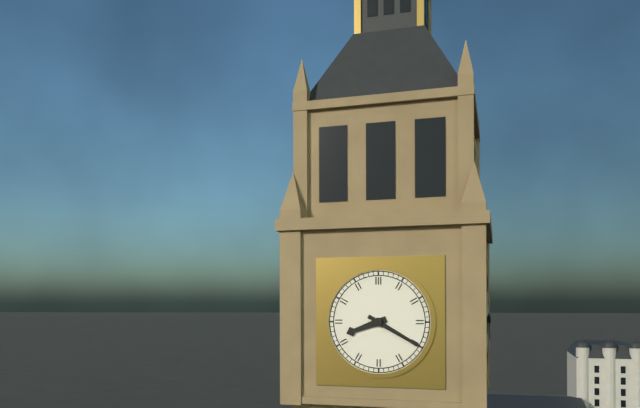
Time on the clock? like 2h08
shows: 8h20
